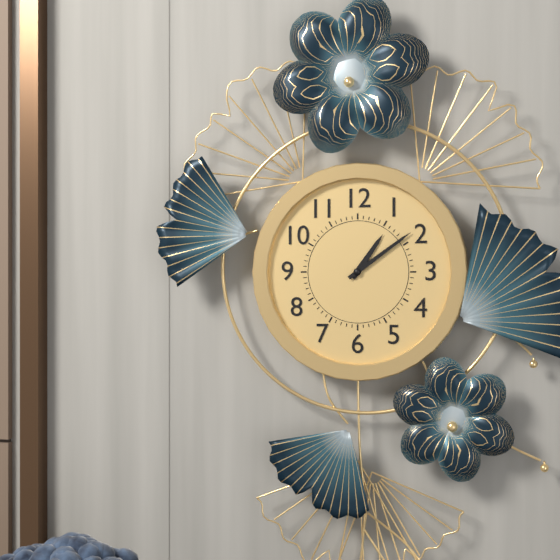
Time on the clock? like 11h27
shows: 1h09
